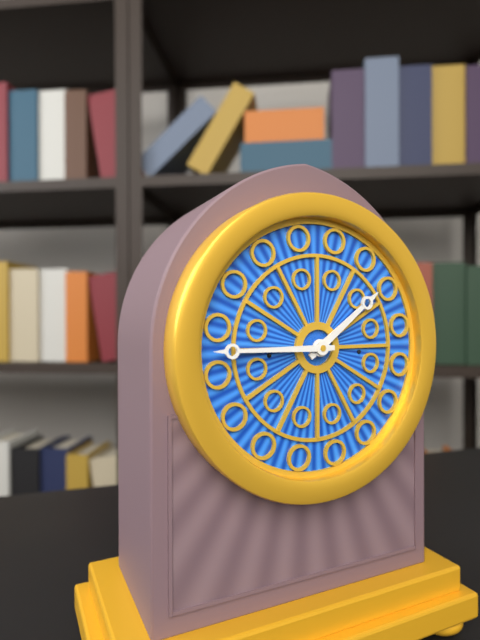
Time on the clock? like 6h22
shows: 1h45
